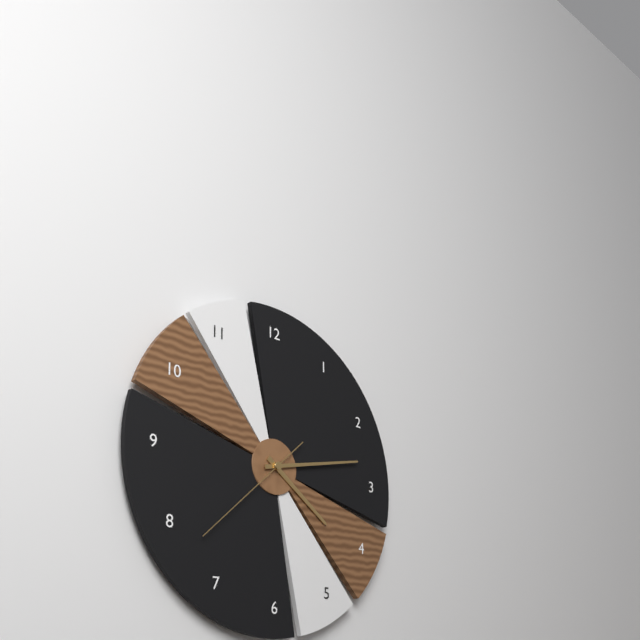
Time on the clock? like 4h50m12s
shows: 4h13m38s
